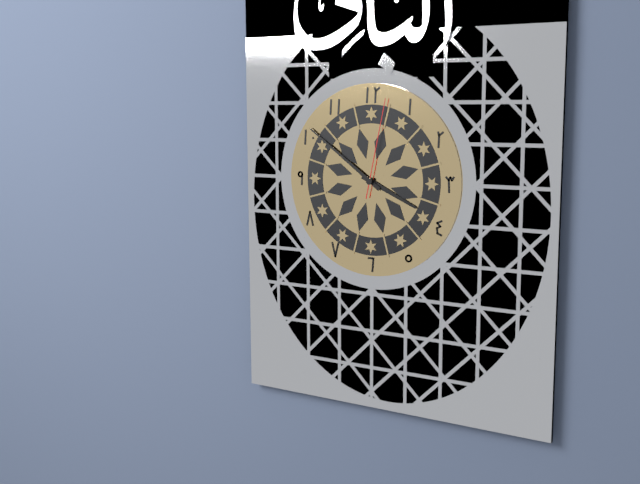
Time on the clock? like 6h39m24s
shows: 3h51m02s
